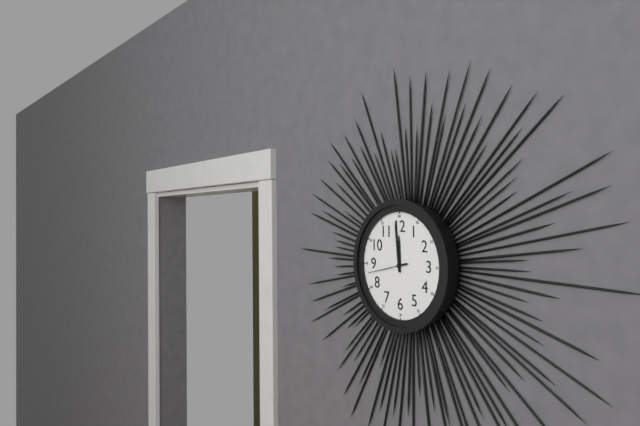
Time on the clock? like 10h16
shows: 11h59
